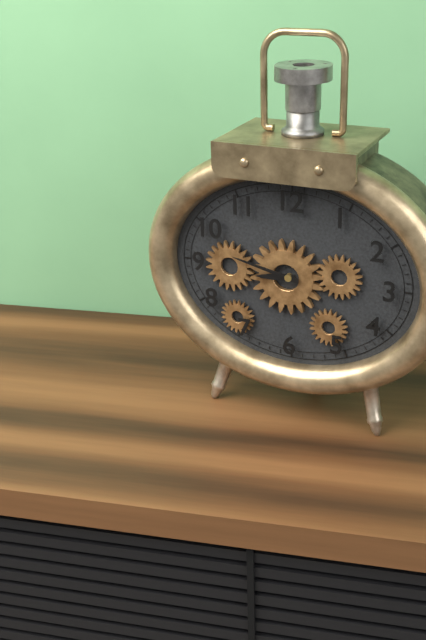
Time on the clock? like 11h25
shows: 8h47
